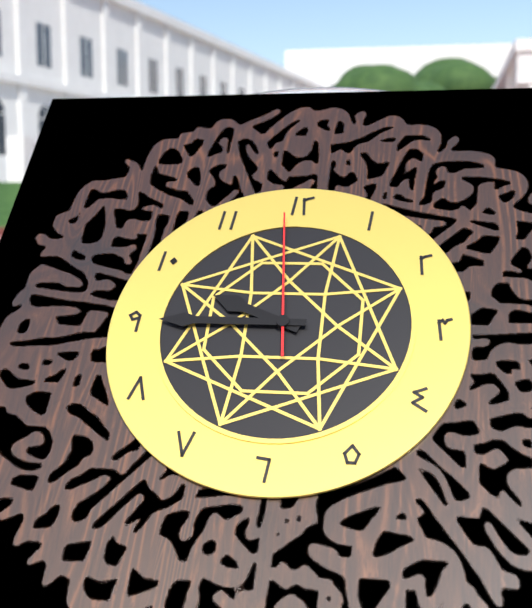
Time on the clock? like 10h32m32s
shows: 9h45m59s
